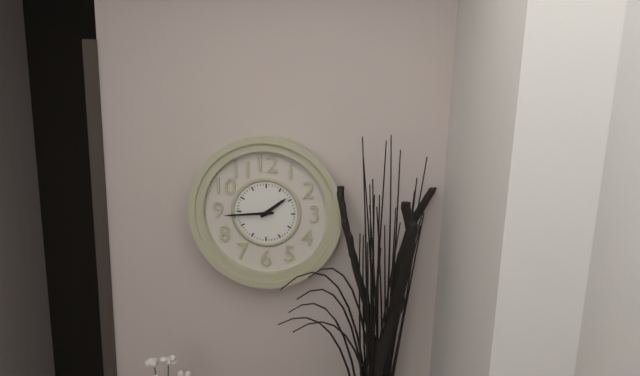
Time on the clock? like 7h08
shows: 1h44
